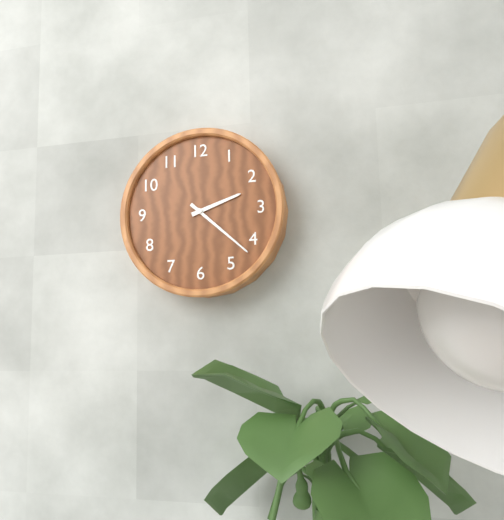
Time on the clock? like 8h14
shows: 2h22
